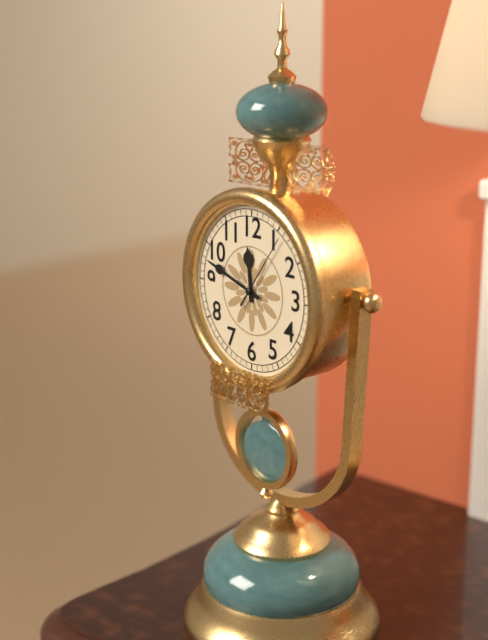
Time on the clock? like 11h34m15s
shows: 11h48m06s
